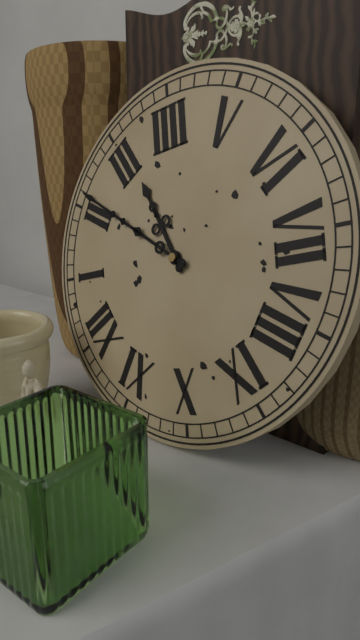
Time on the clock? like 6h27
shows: 3h11
